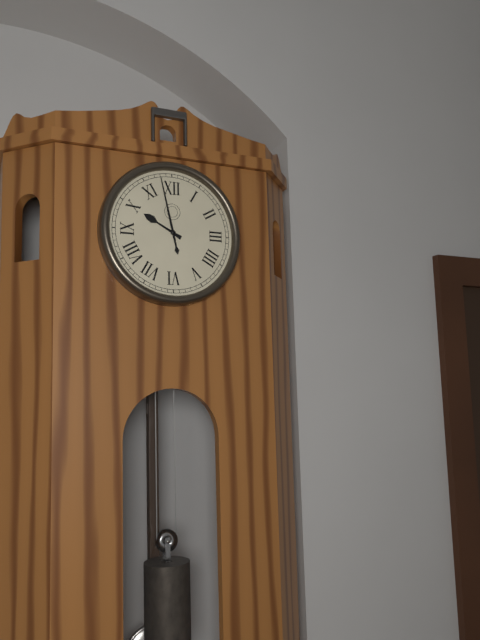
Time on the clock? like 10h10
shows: 9h58
